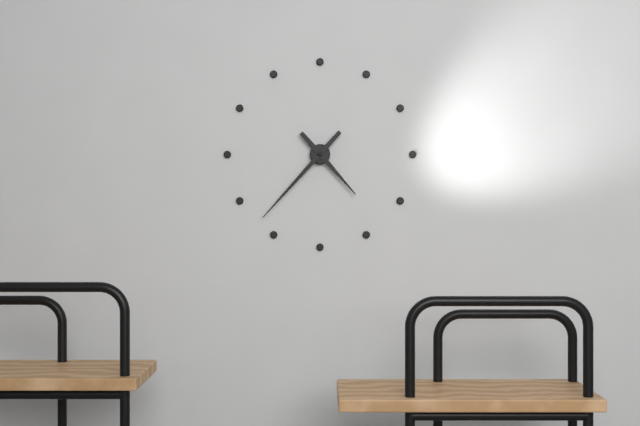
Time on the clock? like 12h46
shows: 4h37
